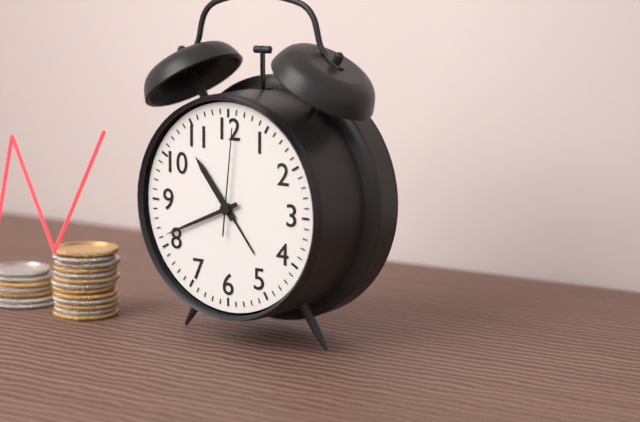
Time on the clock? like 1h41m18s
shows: 10h41m01s
